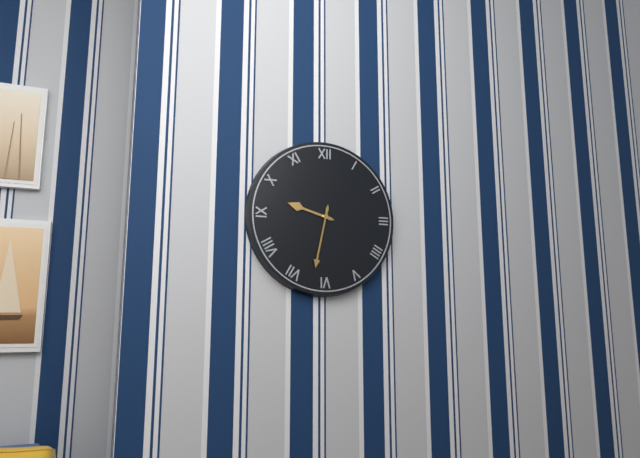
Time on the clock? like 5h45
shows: 9h32
